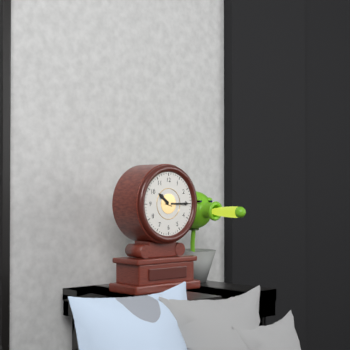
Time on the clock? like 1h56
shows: 10h15
